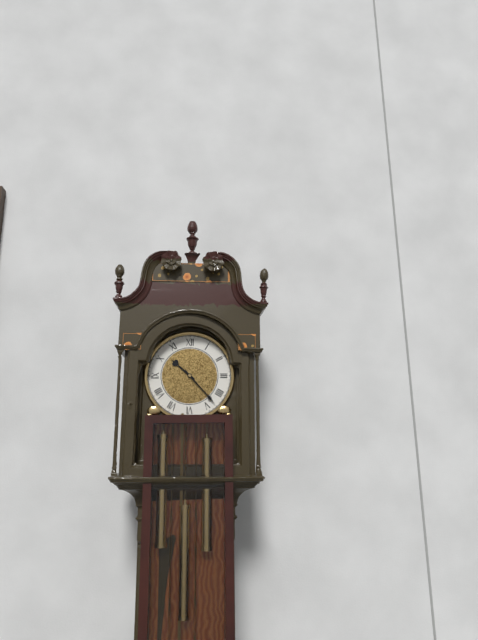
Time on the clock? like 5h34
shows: 10h23
